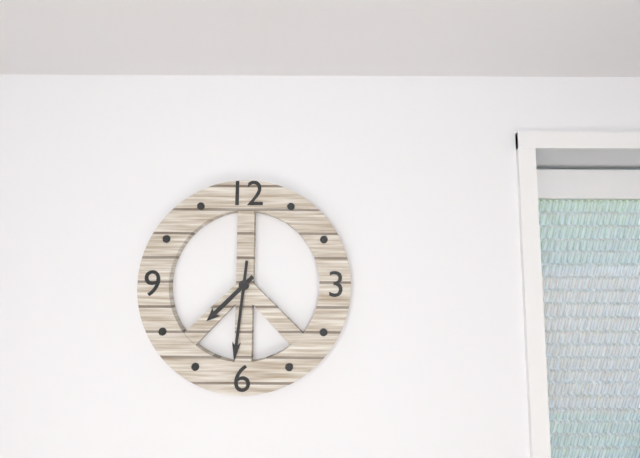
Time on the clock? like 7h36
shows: 7h31
